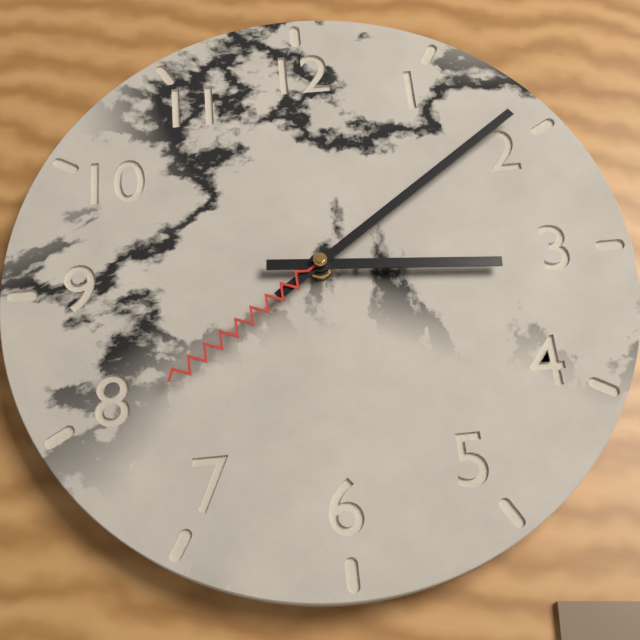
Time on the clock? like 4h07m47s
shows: 3h09m39s
